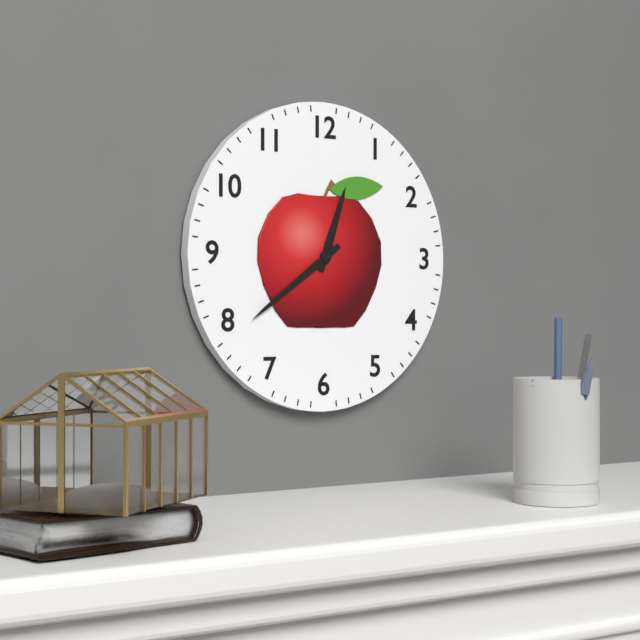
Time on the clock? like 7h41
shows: 12h39
